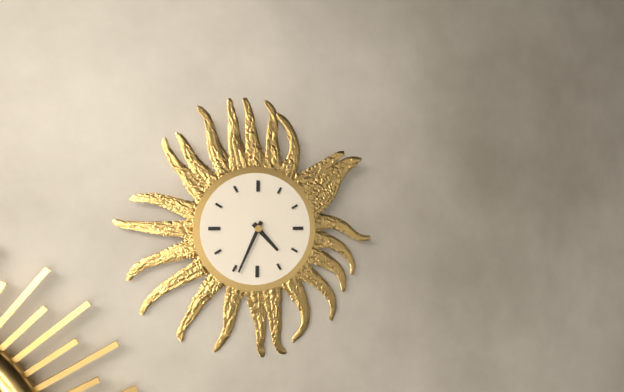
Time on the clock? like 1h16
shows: 4h34
